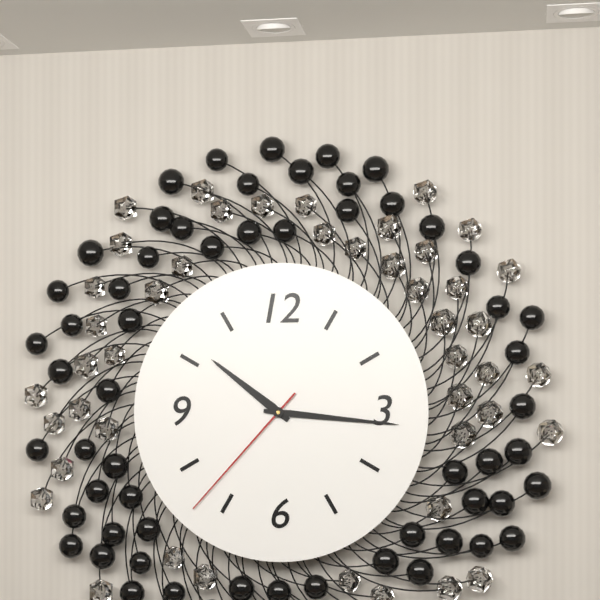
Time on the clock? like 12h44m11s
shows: 10h16m37s
